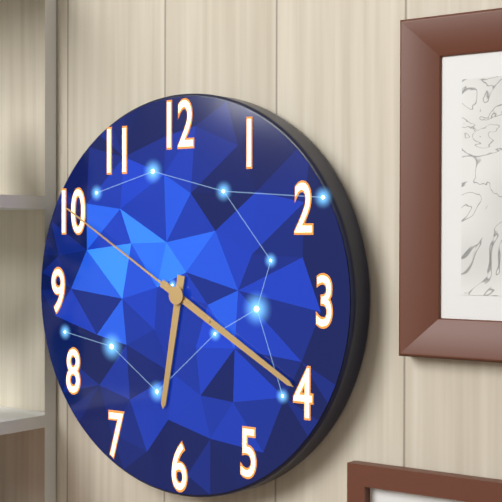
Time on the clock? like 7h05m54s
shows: 6h20m50s
